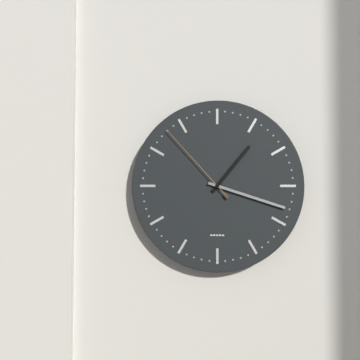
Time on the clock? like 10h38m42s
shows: 1h18m53s
